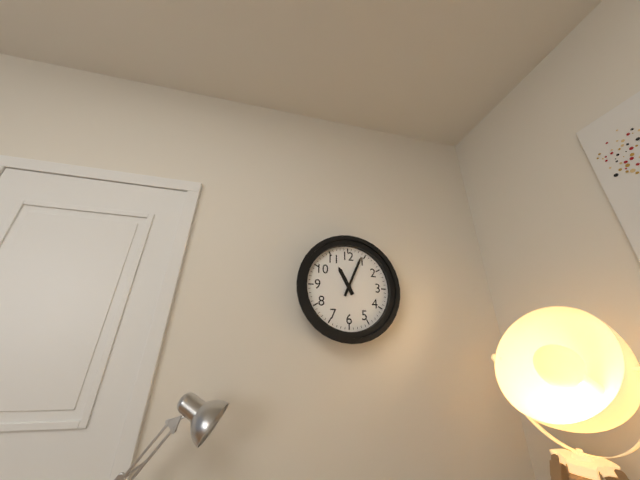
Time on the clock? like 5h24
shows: 11h04
